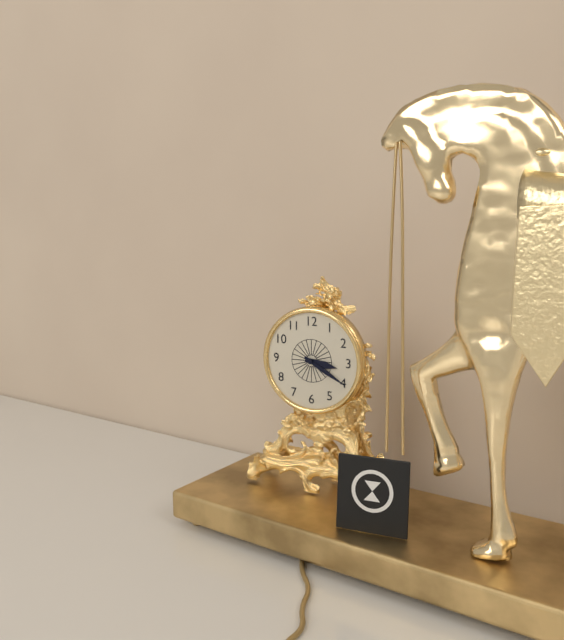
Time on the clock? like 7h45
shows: 3h20
